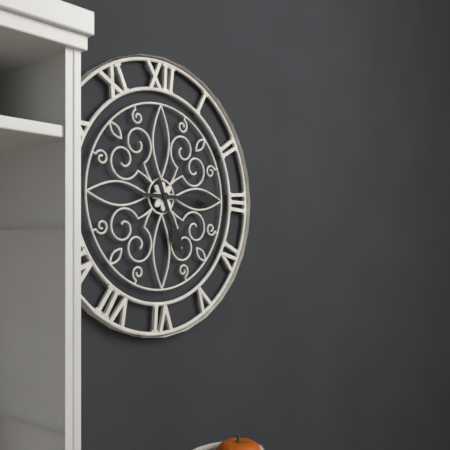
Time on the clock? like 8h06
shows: 5h15
